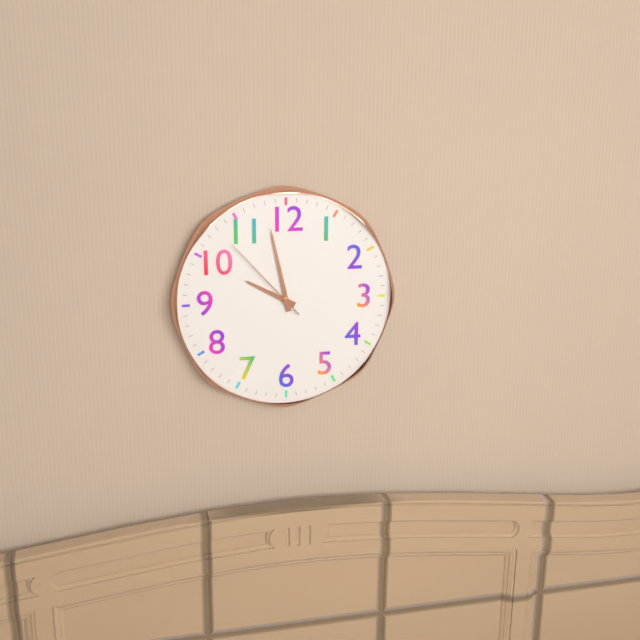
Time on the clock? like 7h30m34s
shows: 9h58m53s
